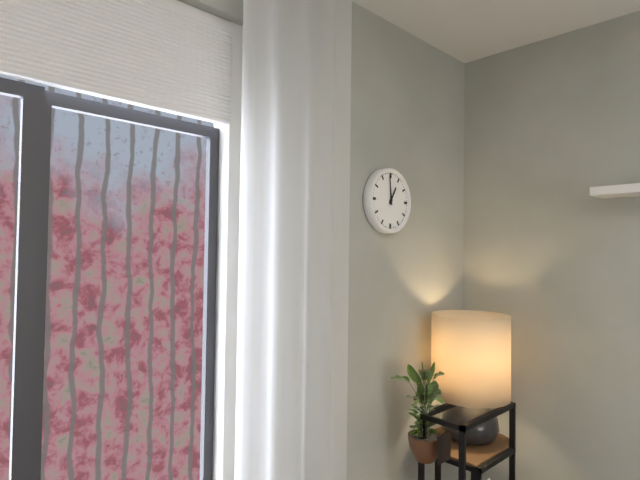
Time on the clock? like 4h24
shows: 12h59
